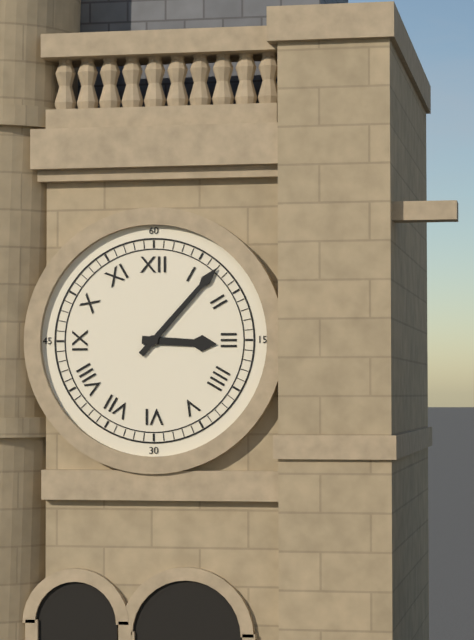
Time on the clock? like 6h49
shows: 3h07
